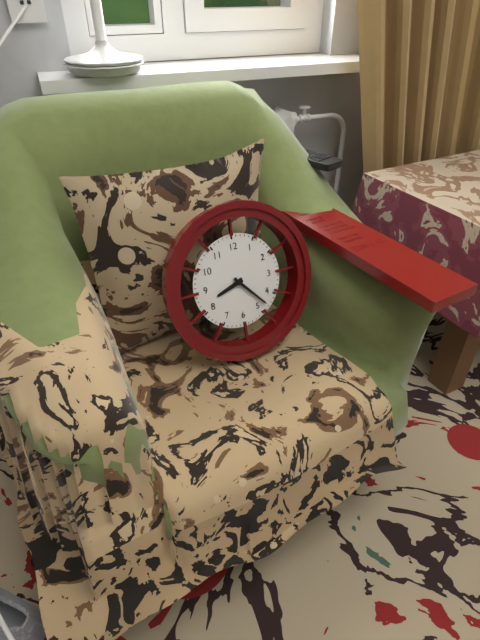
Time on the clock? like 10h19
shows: 8h23
